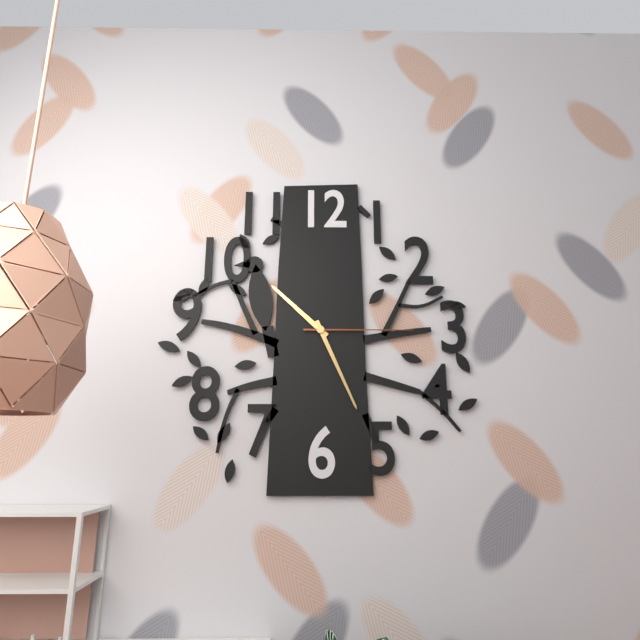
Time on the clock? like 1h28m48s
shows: 10h26m15s
